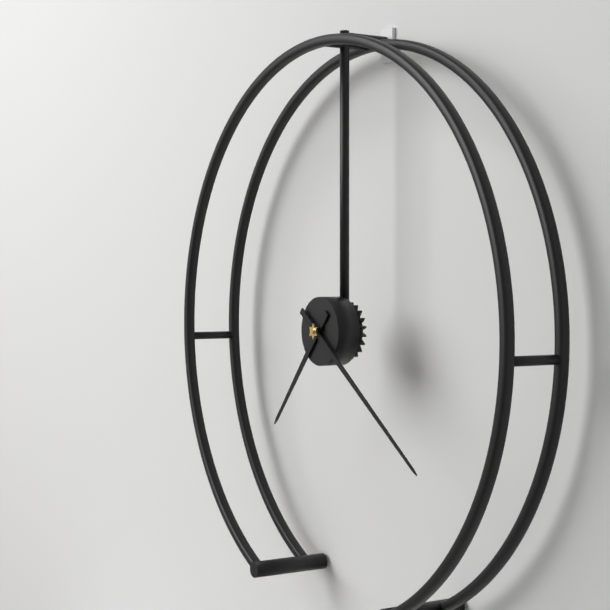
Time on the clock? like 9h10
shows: 7h21
